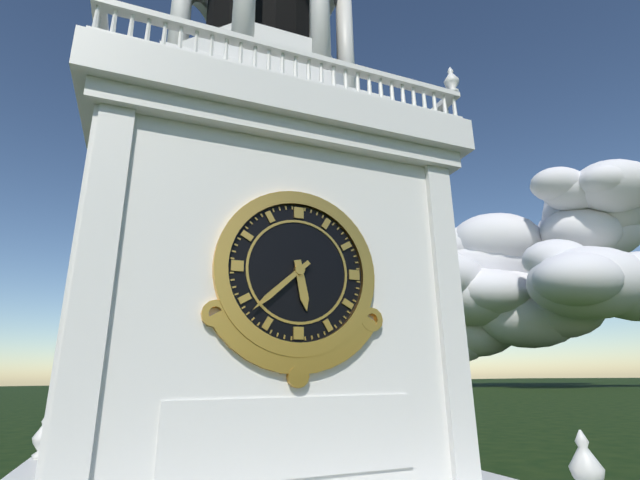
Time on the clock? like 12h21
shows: 5h38
